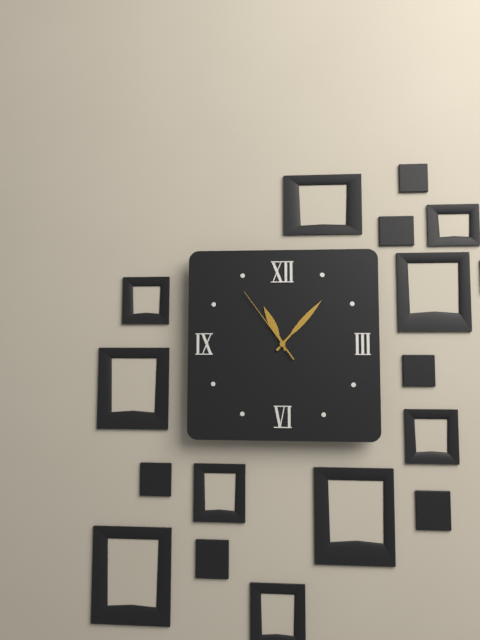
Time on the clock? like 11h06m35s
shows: 11h07m54s
